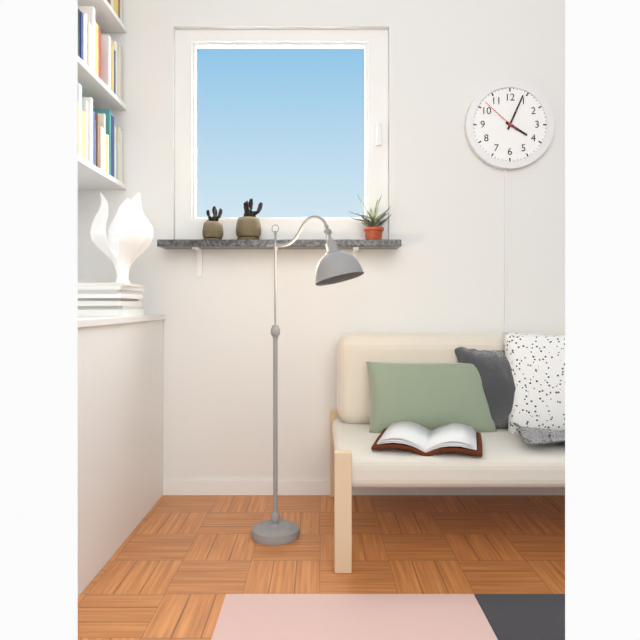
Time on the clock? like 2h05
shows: 4h04
